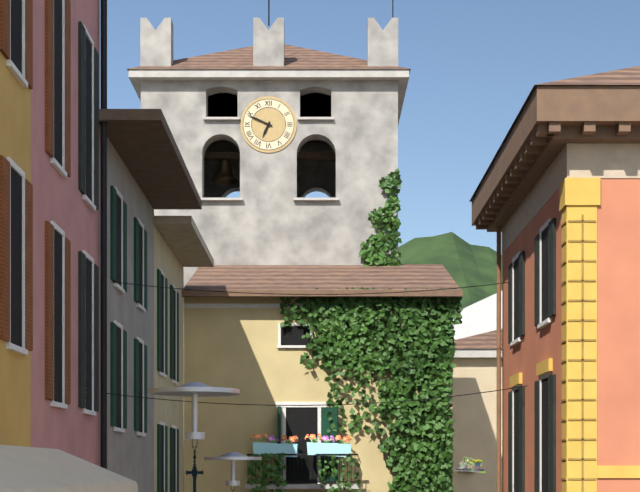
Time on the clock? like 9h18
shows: 6h49
